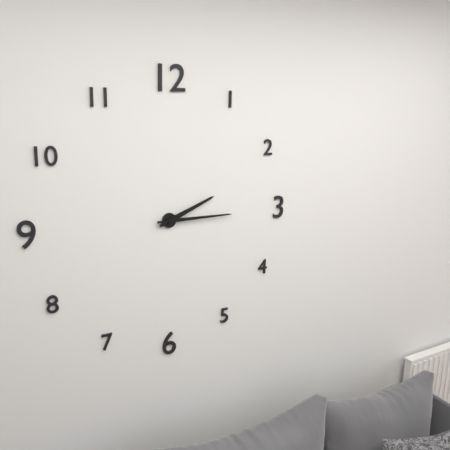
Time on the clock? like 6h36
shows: 2h15
